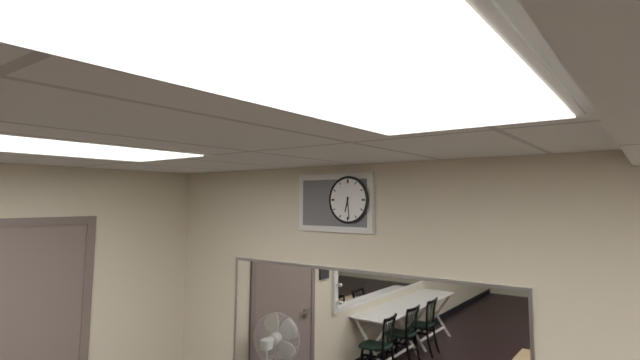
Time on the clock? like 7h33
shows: 6h29
